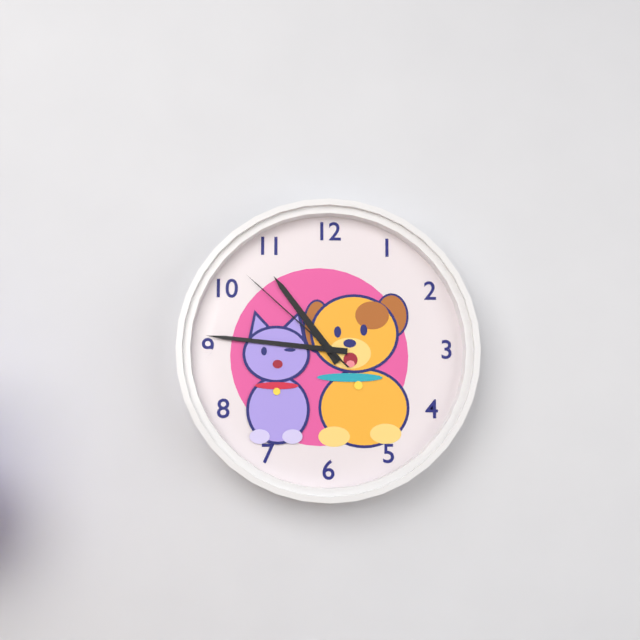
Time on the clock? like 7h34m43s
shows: 10h46m52s
